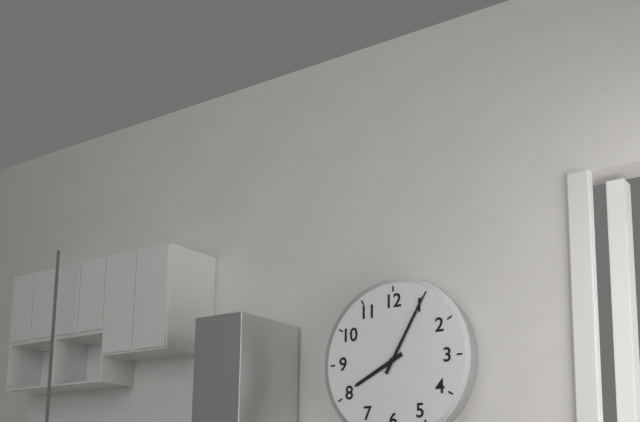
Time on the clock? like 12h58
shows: 8h05
